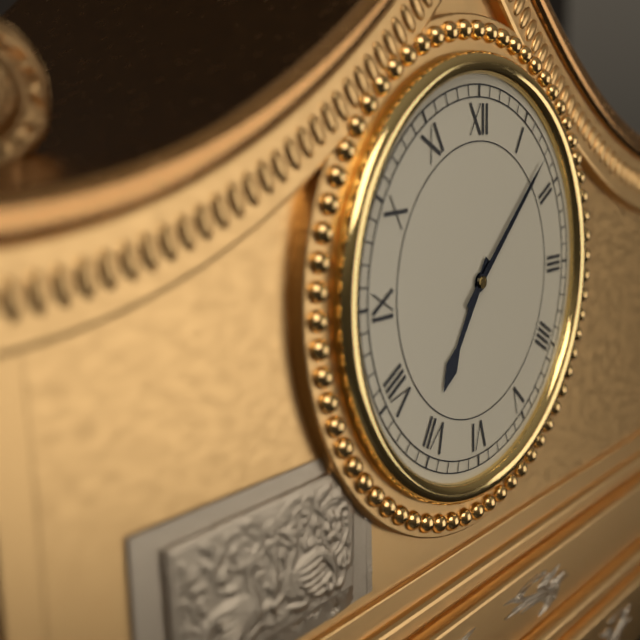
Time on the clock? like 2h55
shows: 7h08
